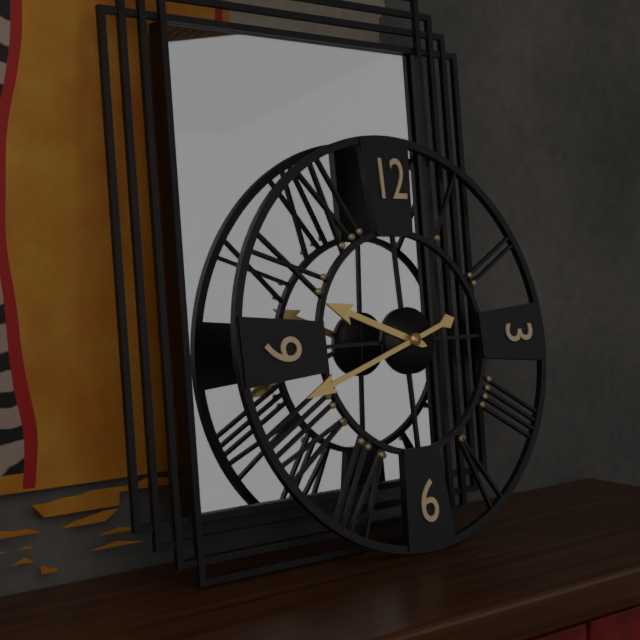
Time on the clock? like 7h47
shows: 9h42
